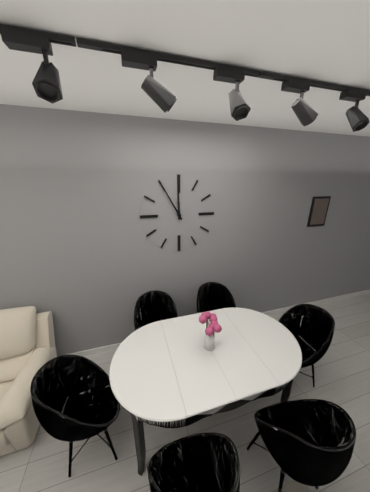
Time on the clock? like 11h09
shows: 11h55
